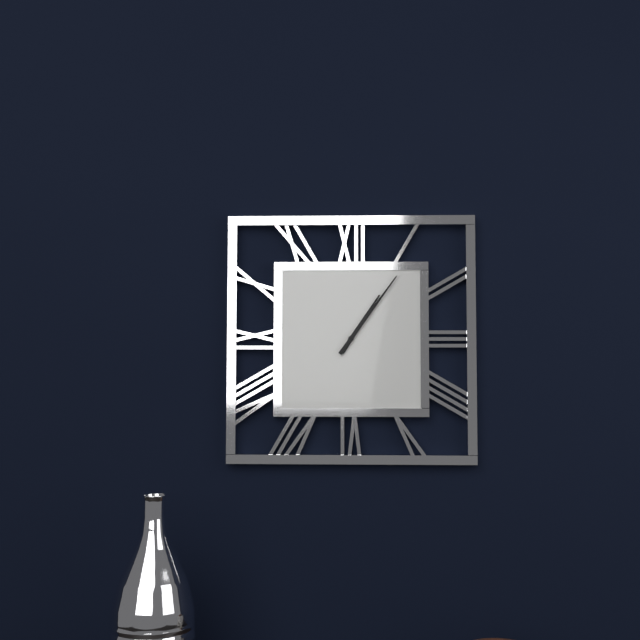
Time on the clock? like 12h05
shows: 1h06
